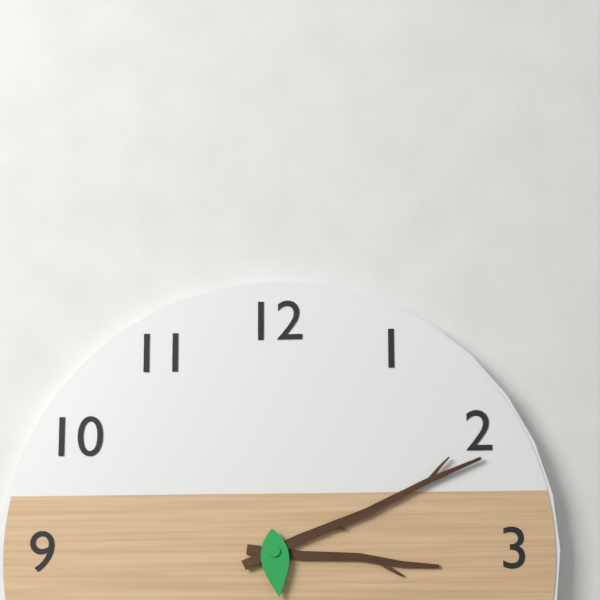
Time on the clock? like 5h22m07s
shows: 3h11m29s
